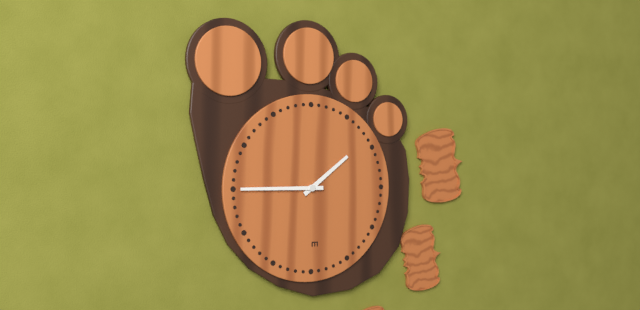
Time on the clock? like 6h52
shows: 1h45
